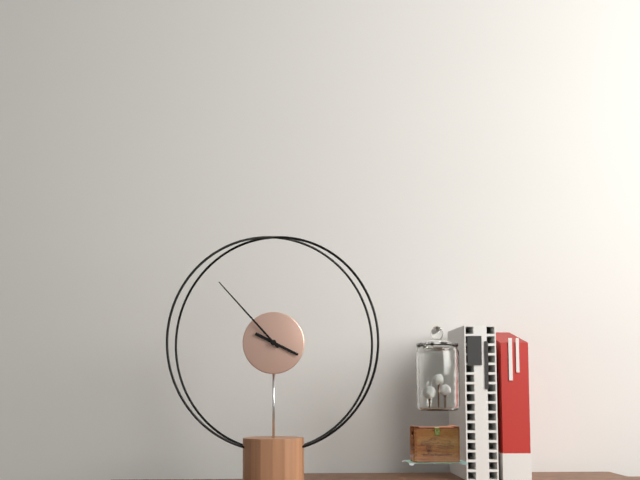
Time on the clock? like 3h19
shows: 3h53
